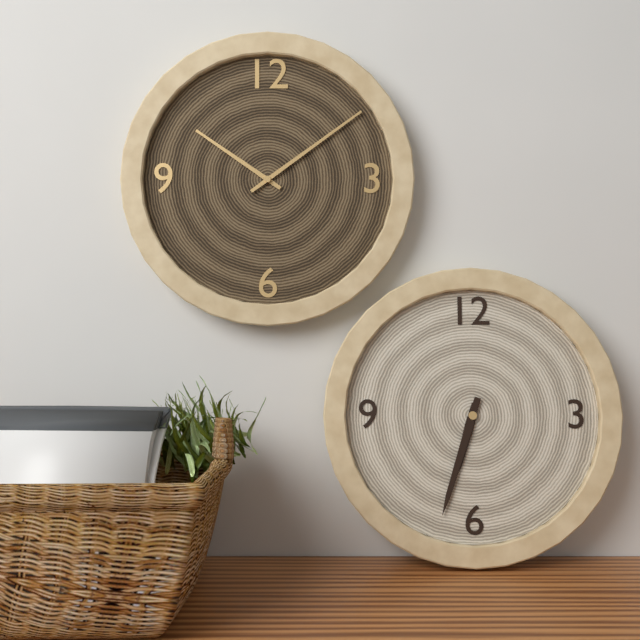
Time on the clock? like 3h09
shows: 6h33
